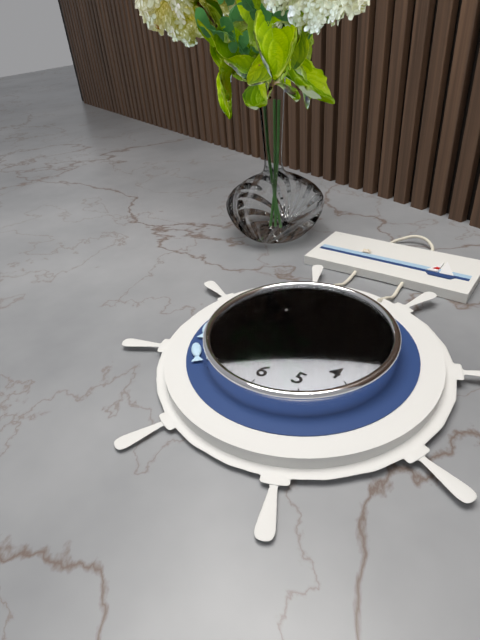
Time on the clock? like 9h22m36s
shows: 11h59m40s
